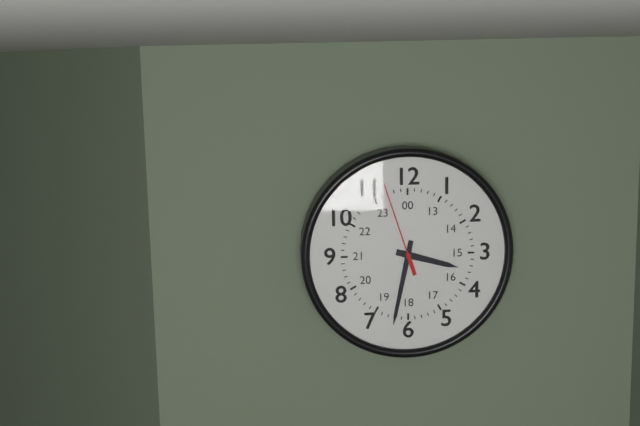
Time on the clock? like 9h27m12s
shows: 3h32m57s
